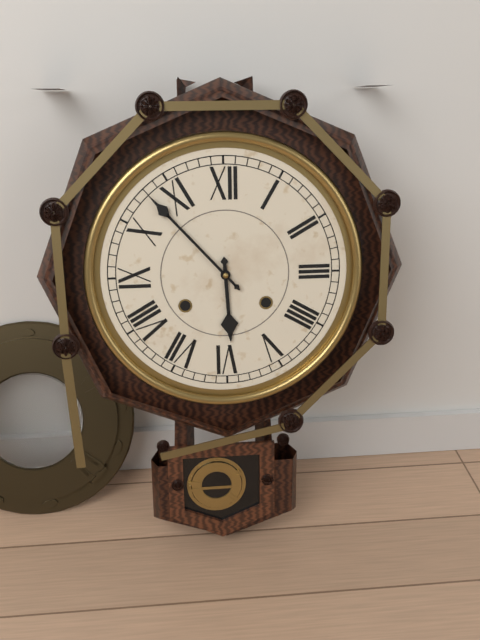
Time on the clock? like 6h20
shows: 5h53
